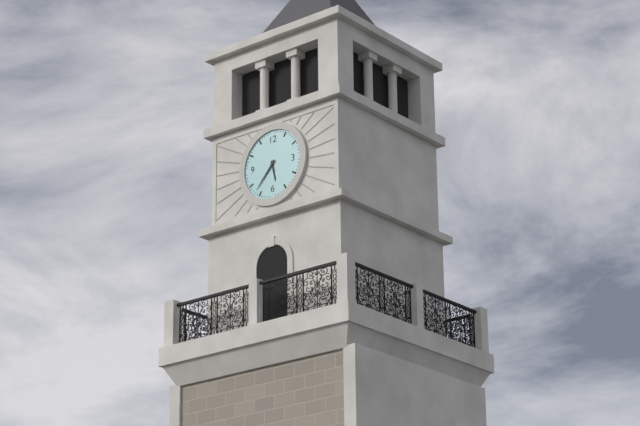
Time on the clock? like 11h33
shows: 5h37
